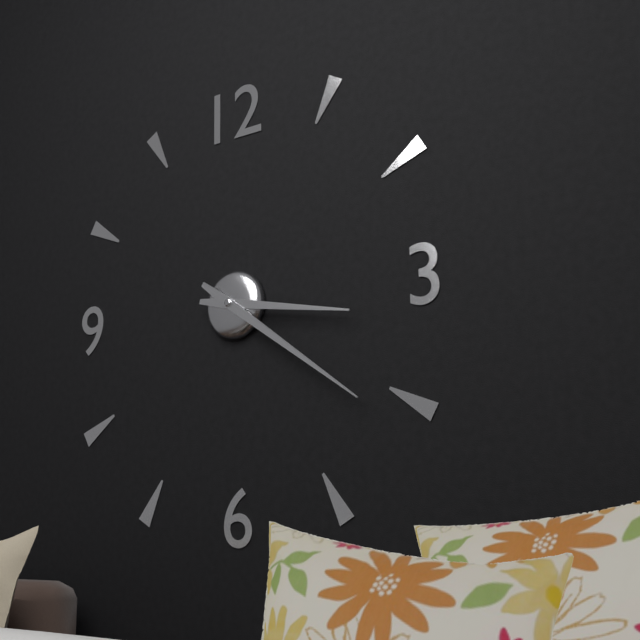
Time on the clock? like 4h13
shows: 3h21
